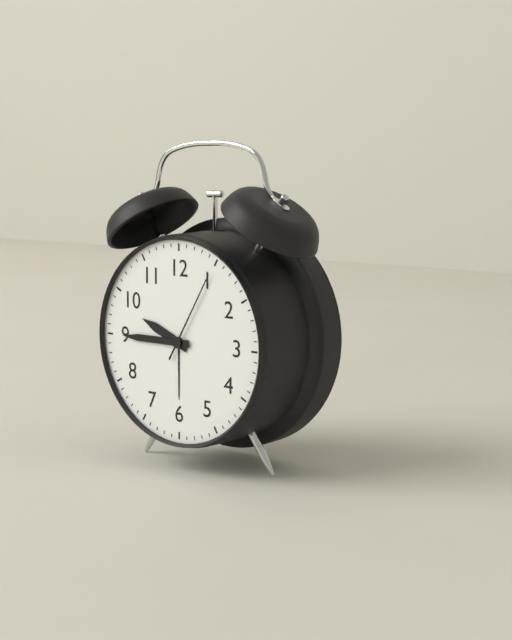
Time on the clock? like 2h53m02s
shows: 9h45m05s
